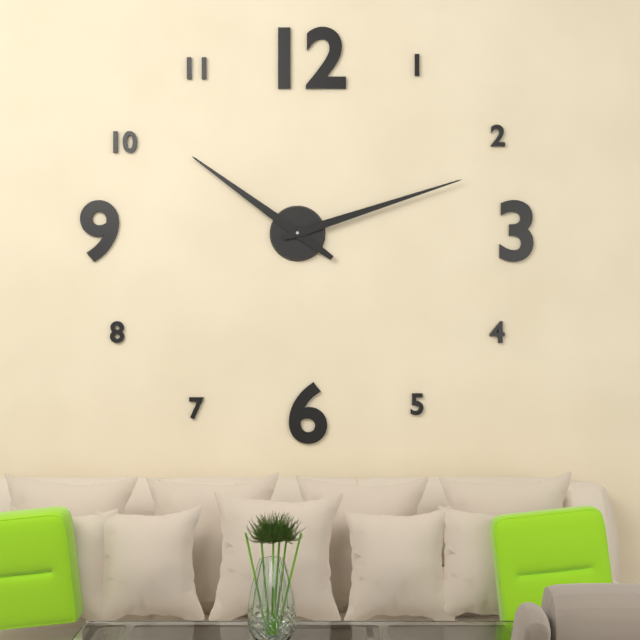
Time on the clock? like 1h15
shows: 10h12
